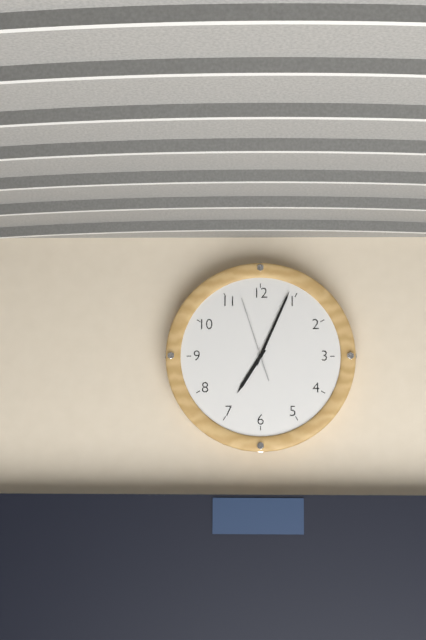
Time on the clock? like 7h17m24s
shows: 7h04m57s
